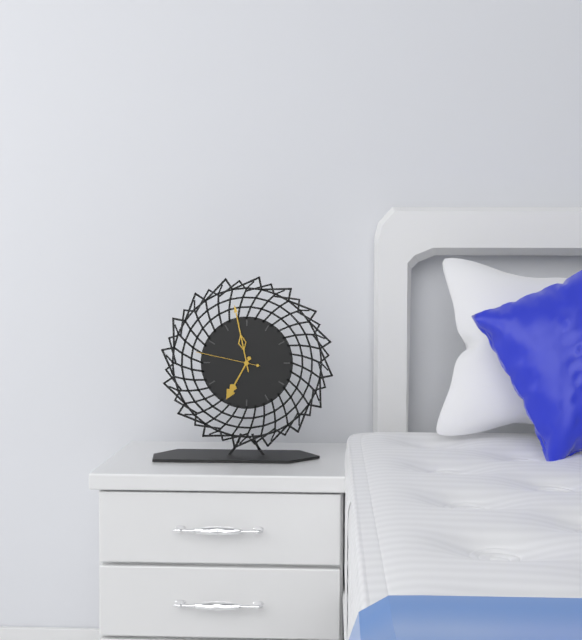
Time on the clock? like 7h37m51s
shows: 6h58m47s
